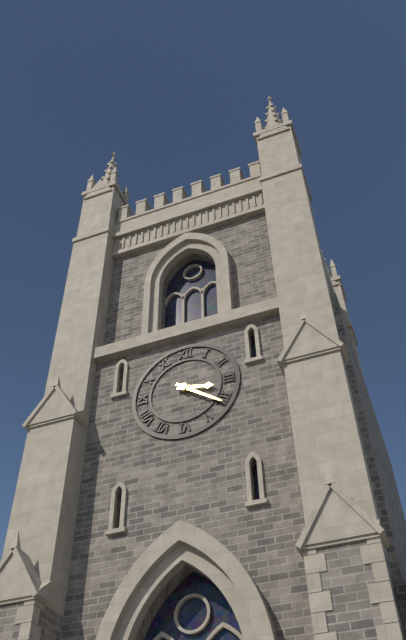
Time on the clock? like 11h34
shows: 3h21
